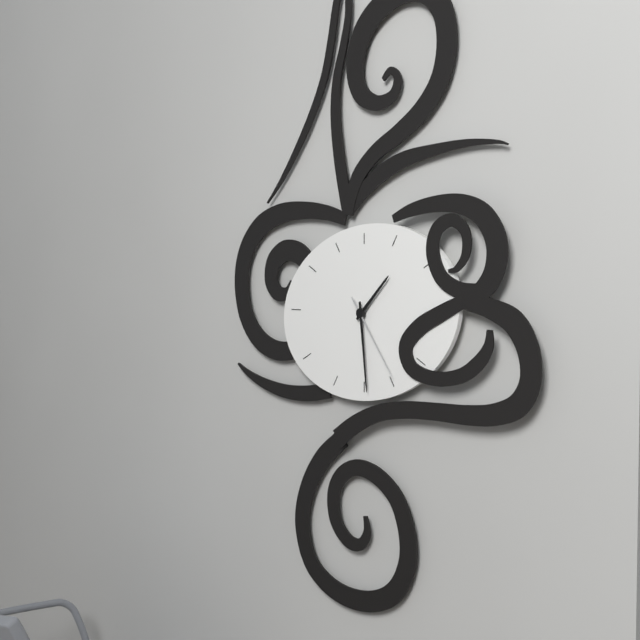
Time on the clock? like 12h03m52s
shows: 1h29m24s
